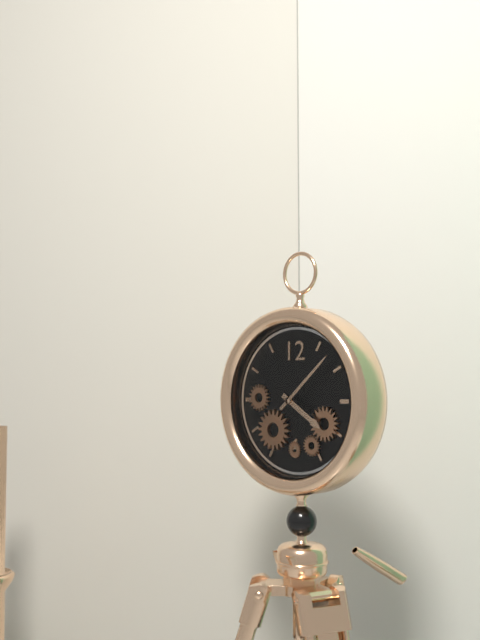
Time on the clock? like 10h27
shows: 4h08
